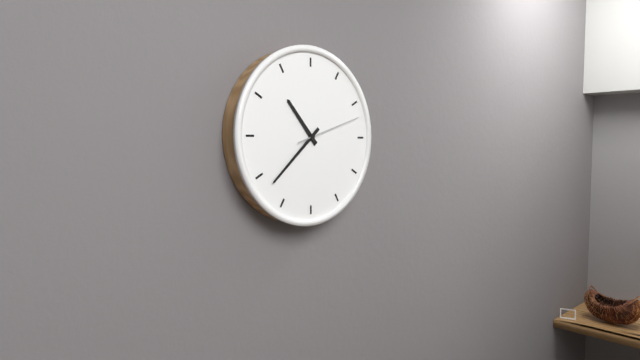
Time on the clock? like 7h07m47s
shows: 10h38m12s
